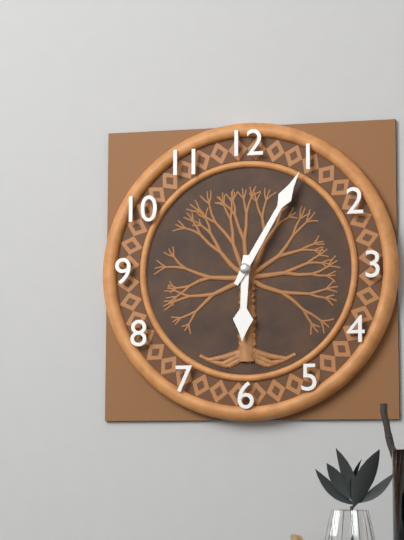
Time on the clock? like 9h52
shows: 6h05
